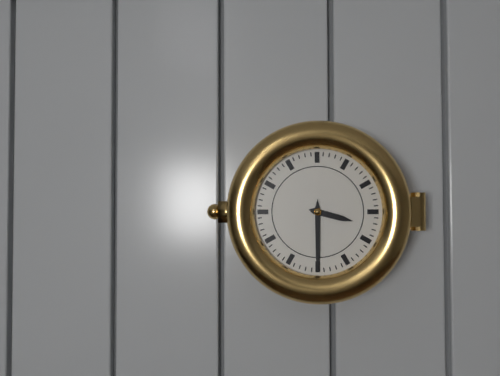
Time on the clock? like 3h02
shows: 3h30
